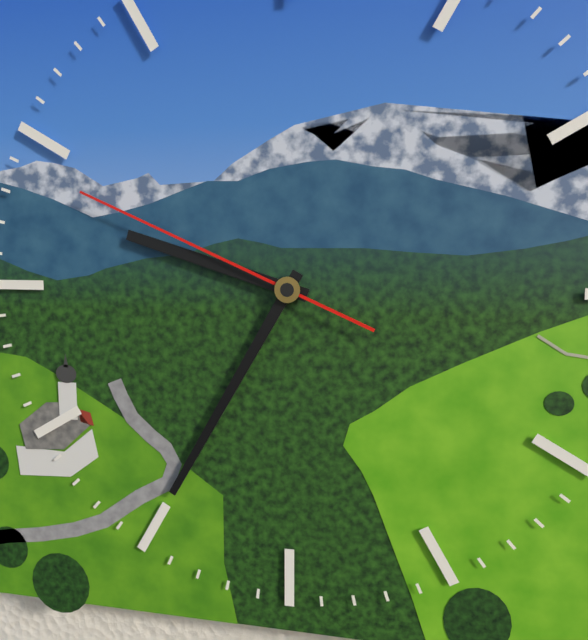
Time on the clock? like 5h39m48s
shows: 9h35m49s
